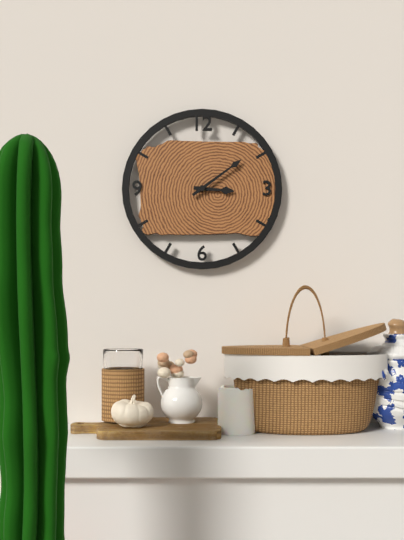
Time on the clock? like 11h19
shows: 3h09
